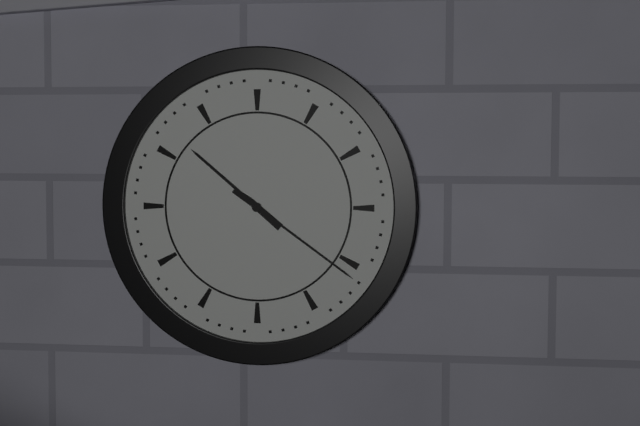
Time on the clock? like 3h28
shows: 10h21
